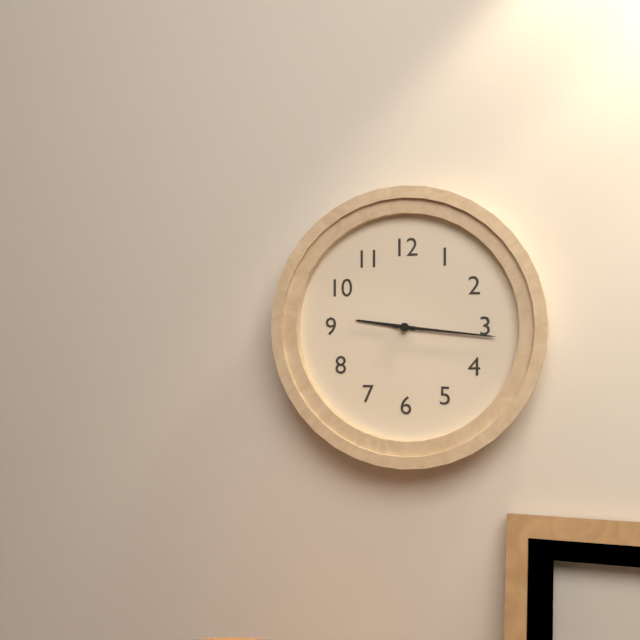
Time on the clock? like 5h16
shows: 9h16
